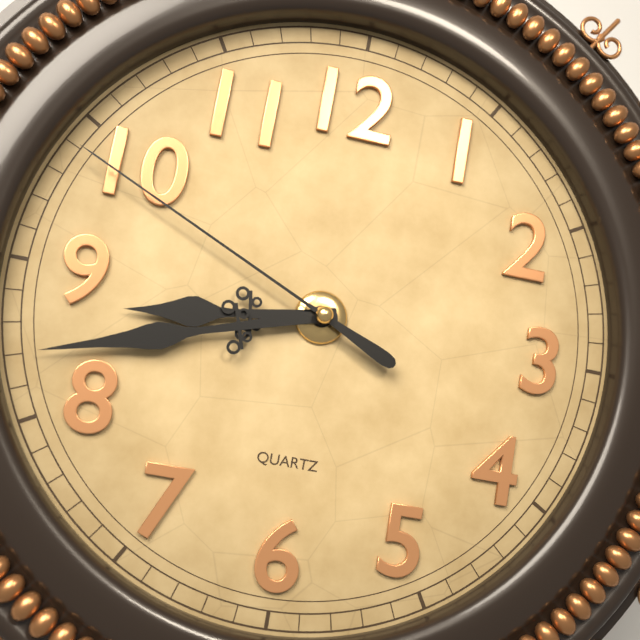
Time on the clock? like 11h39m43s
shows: 8h42m49s
